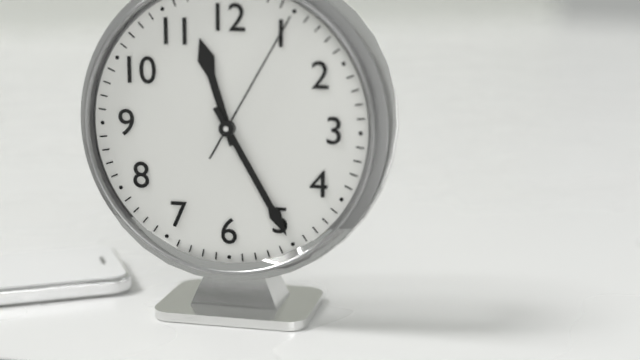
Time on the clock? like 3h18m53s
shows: 11h25m05s
